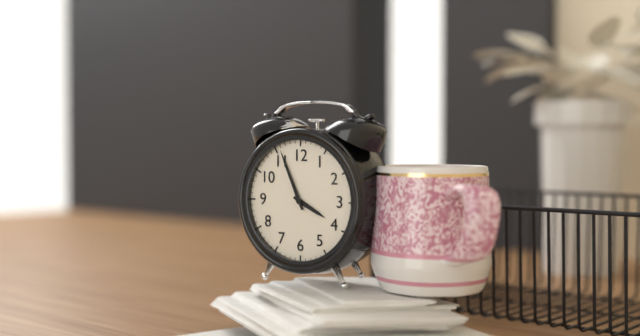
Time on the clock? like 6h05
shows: 3h56
